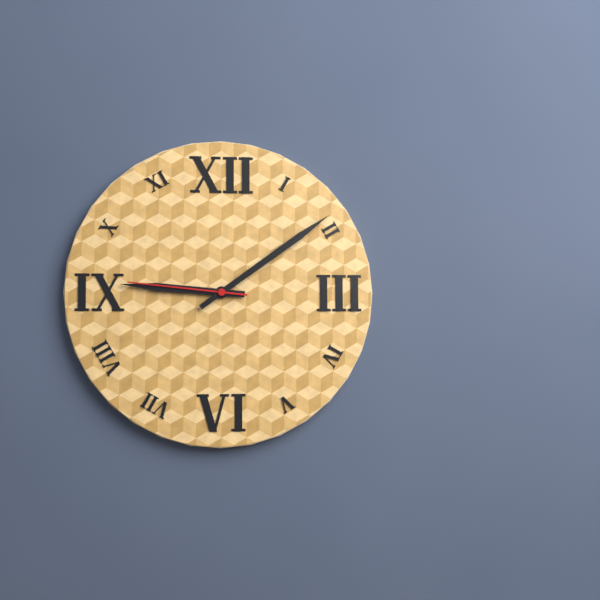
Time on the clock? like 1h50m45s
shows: 9h09m46s
